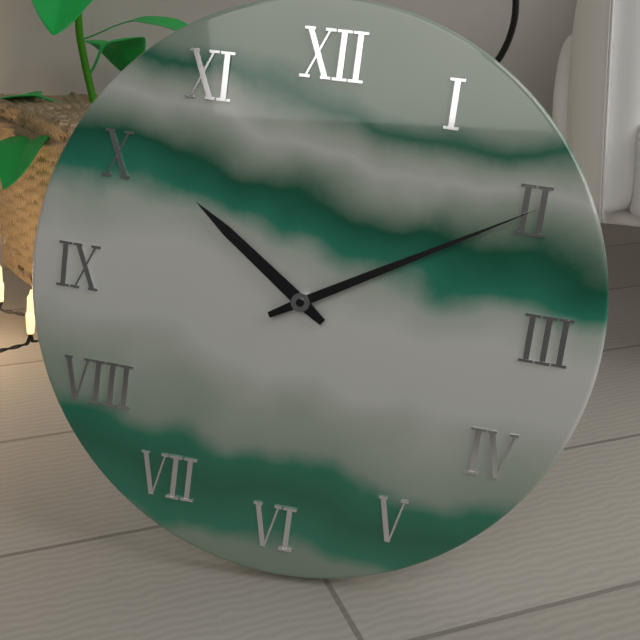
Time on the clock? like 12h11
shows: 10h10
